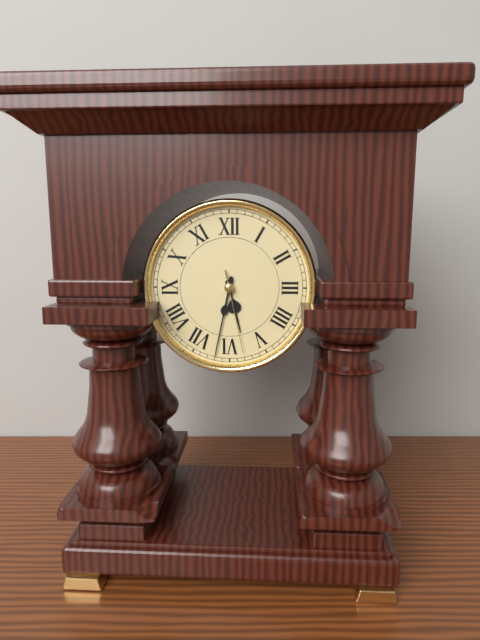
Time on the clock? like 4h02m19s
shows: 5h32m28s
